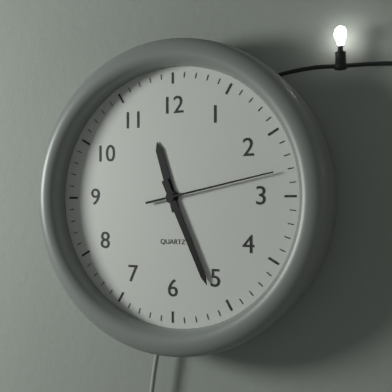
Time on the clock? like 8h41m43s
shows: 11h26m13s
